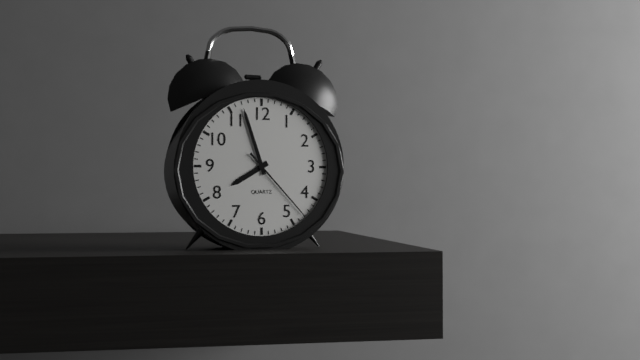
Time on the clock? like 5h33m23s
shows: 7h57m23s
